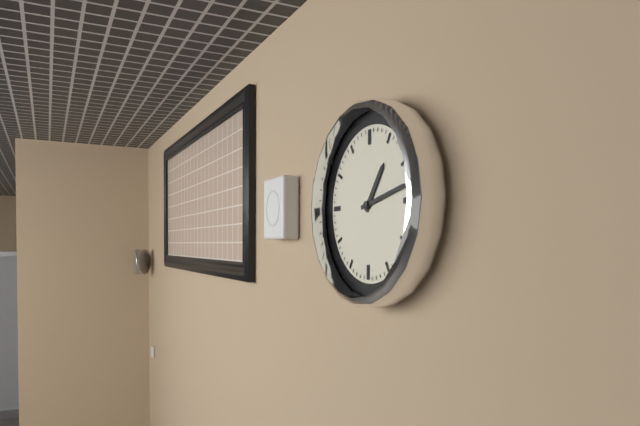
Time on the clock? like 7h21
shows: 1h13
